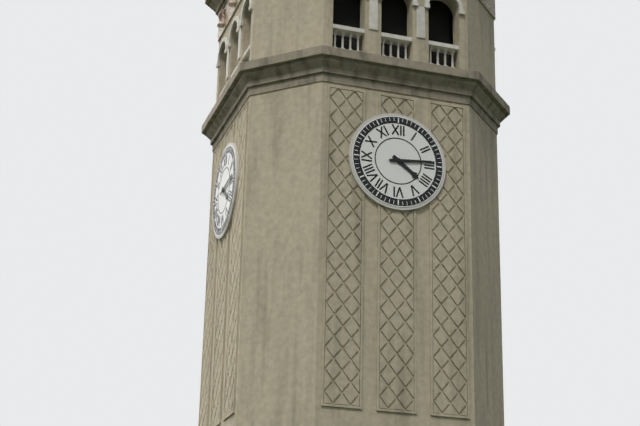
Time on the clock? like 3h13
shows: 4h14
